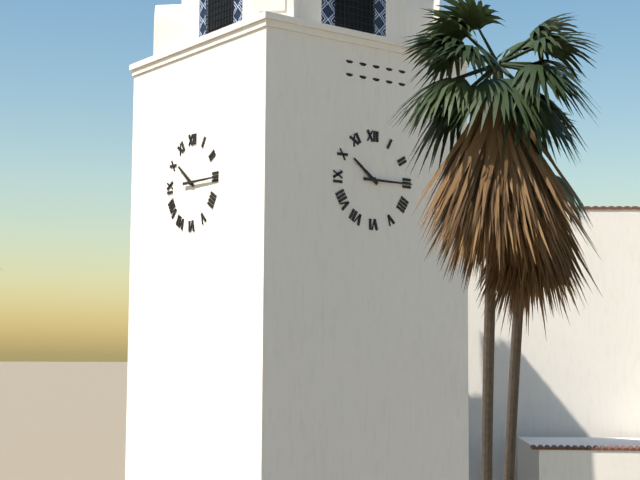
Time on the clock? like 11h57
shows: 10h15
